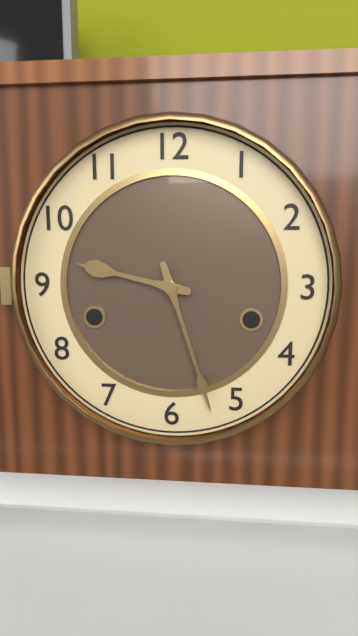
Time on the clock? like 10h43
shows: 9h27
